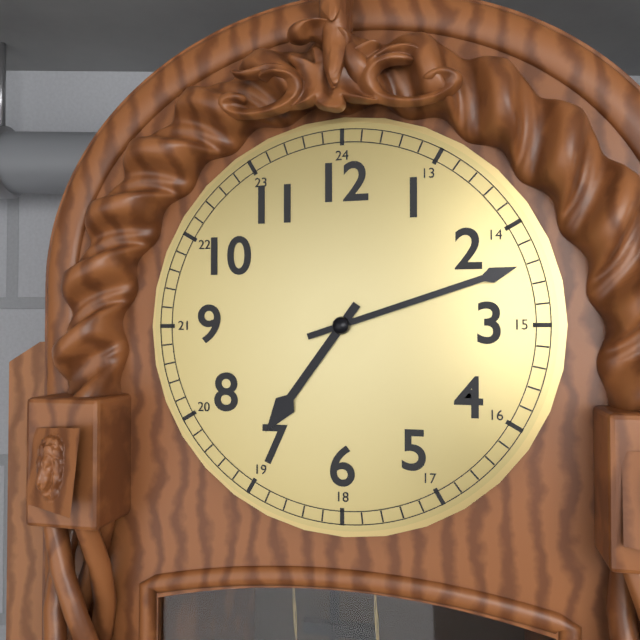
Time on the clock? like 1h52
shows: 7h12
